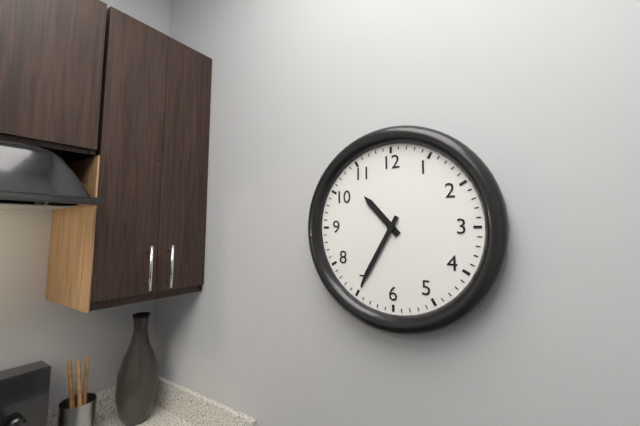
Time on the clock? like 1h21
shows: 10h35
